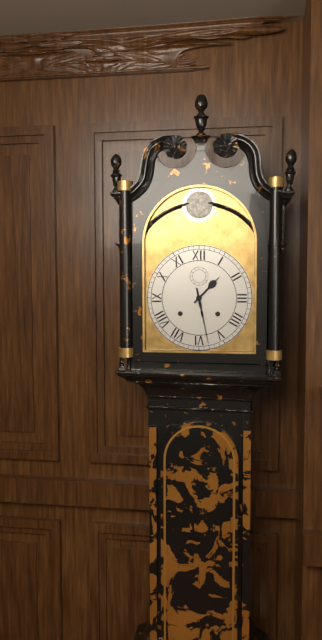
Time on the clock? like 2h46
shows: 1h28
